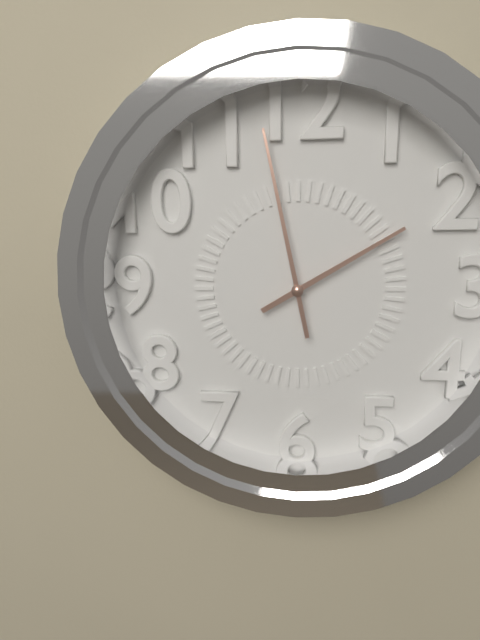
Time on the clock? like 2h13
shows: 1h58
